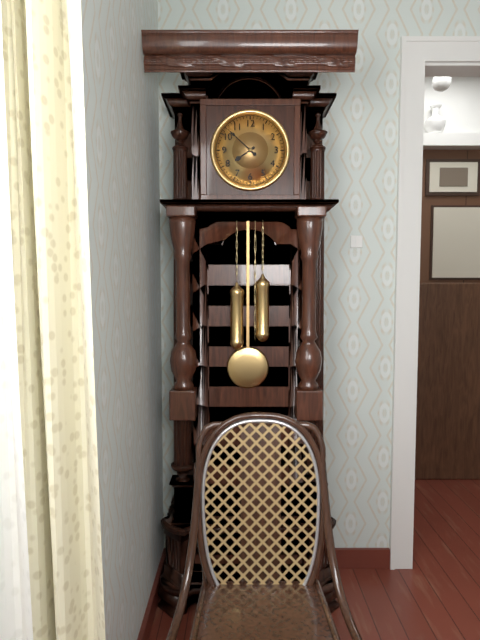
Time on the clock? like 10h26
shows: 7h52
